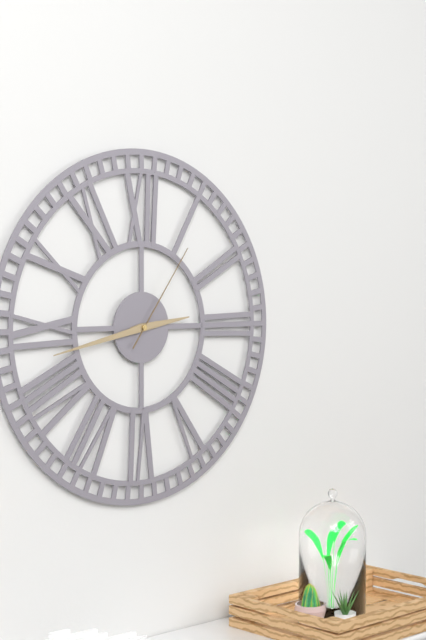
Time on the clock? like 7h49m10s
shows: 2h43m06s
